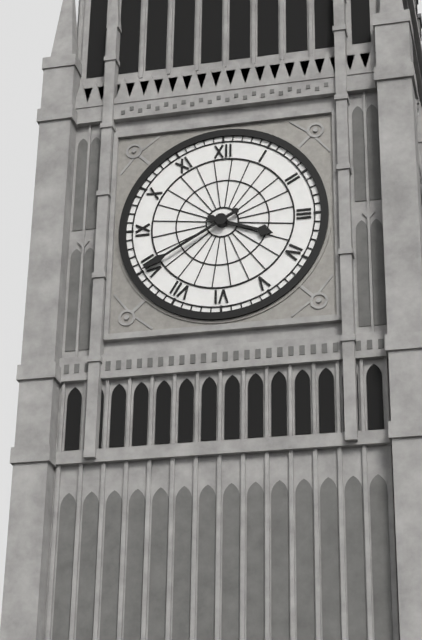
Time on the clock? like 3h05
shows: 3h40
